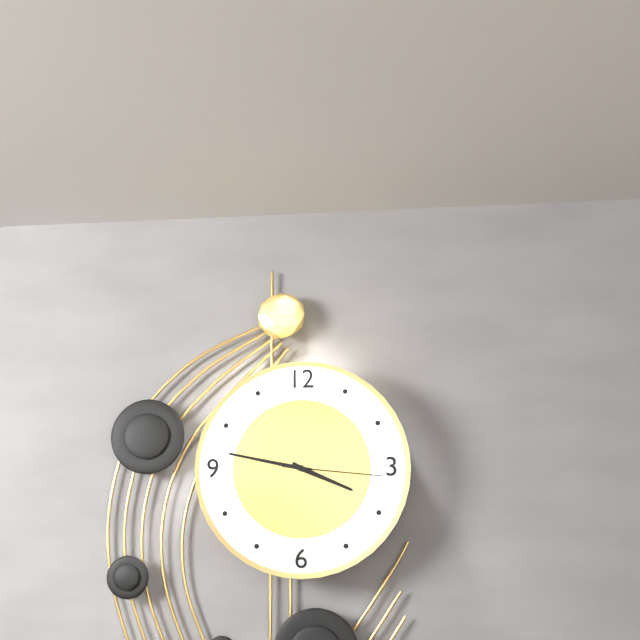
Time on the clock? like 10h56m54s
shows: 3h47m16s
